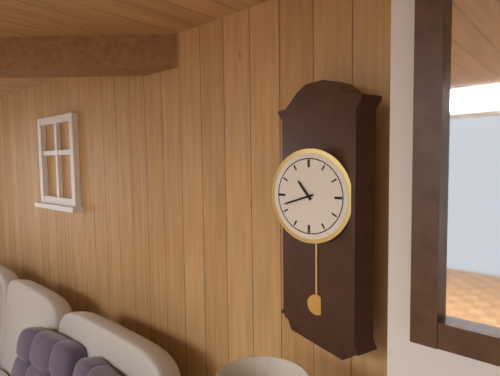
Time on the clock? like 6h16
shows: 10h42
